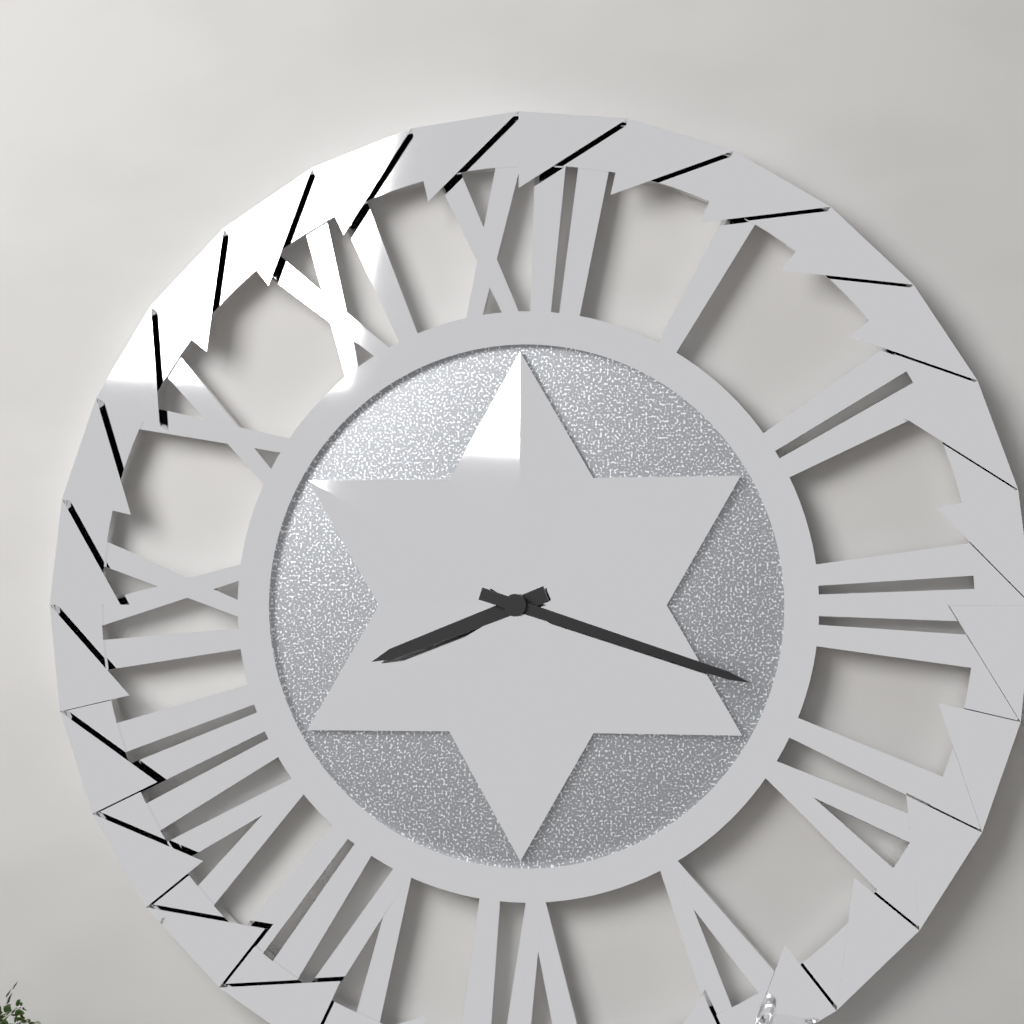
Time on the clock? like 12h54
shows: 8h18
